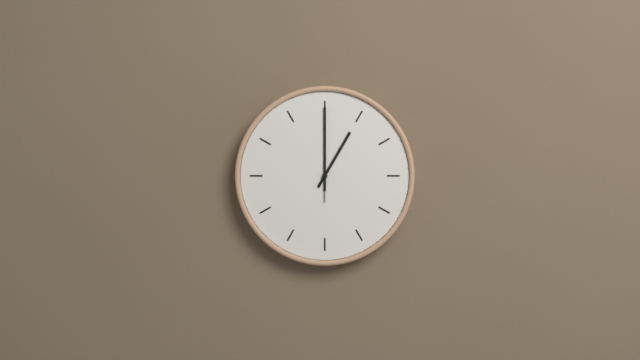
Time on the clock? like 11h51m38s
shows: 1h00m00s
